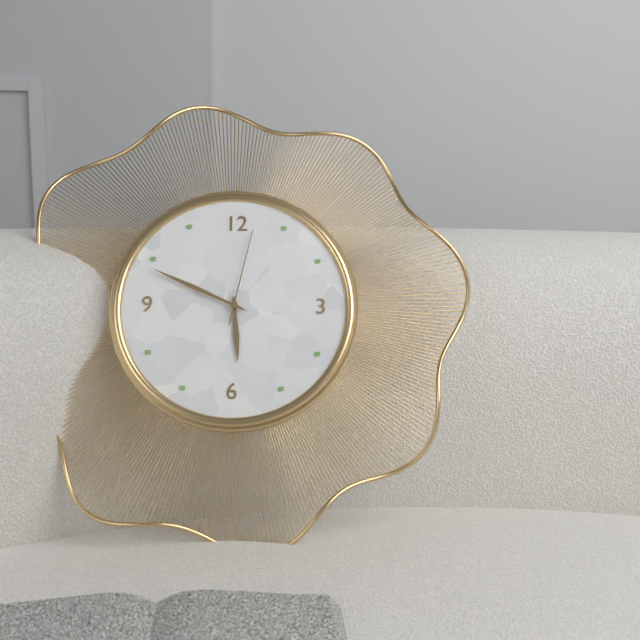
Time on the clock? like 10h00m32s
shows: 5h49m02s
